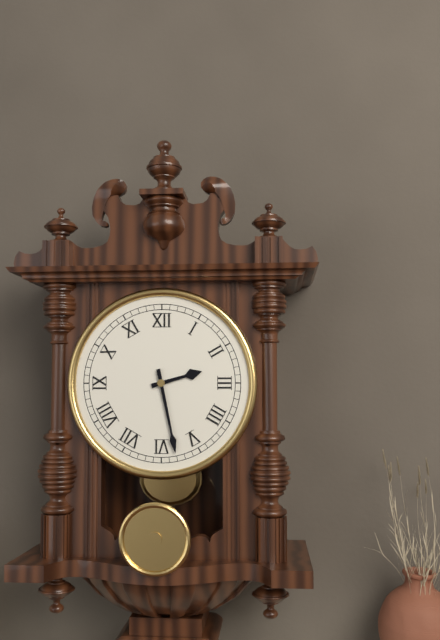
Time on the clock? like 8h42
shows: 2h28
